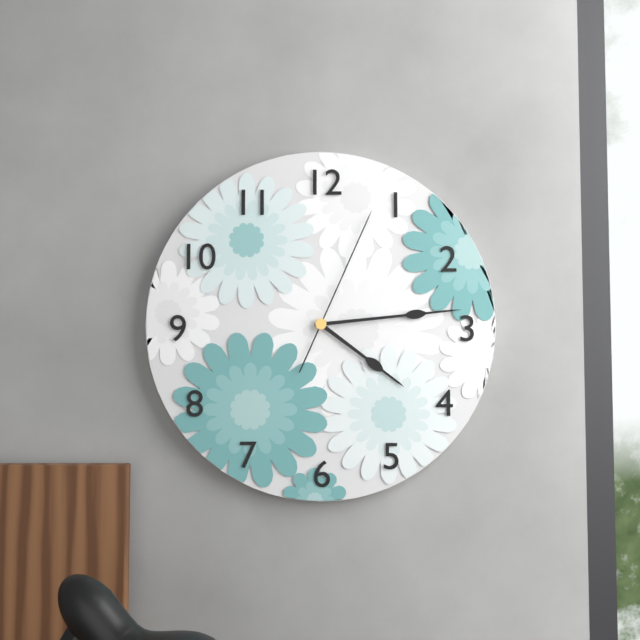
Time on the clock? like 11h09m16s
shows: 4h14m04s
